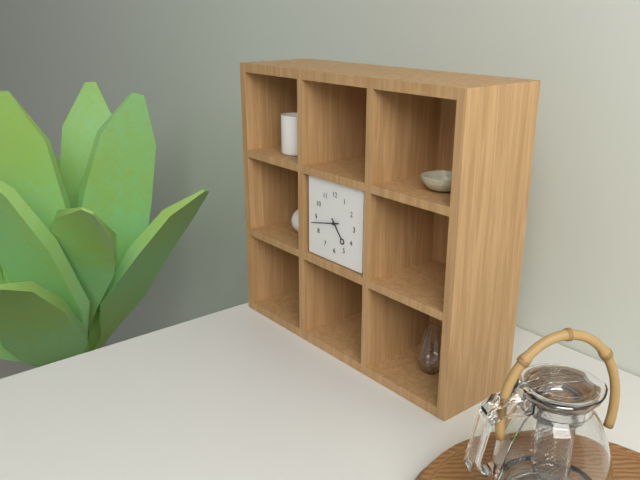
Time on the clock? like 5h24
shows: 4h43
